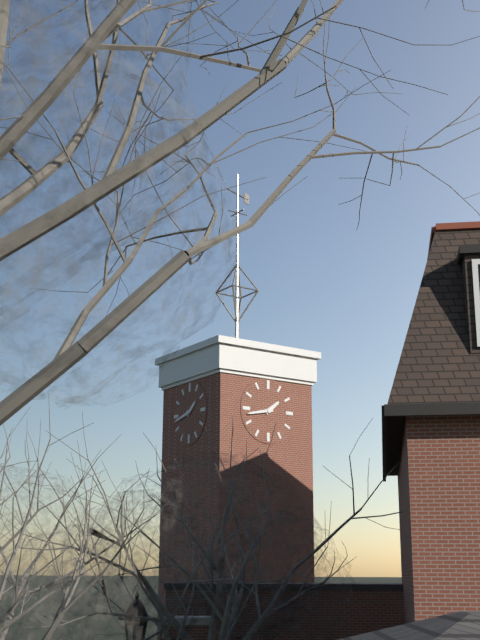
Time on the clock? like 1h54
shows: 1h43
